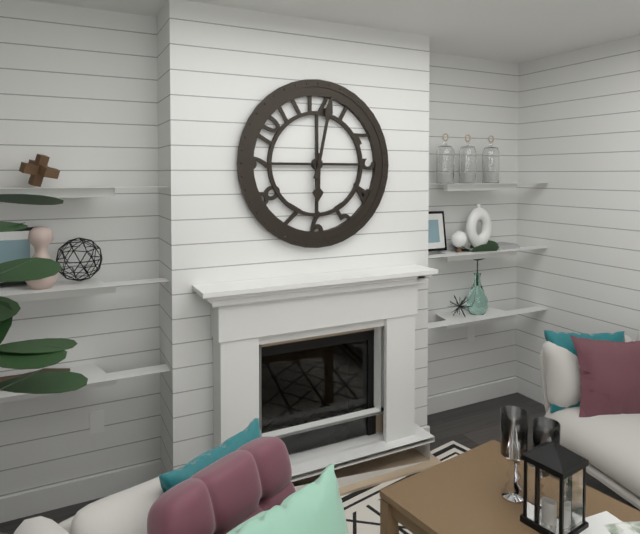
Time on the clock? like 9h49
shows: 6h02
